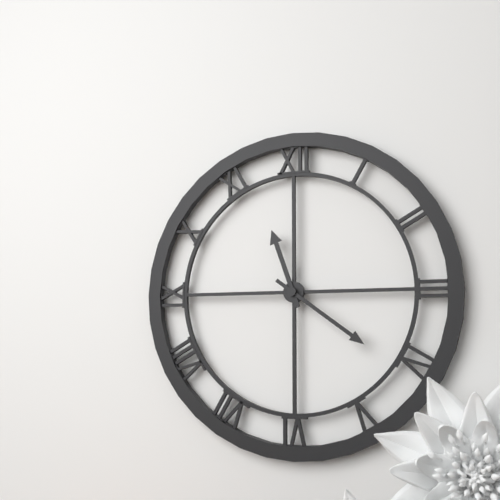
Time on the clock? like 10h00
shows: 11h21
